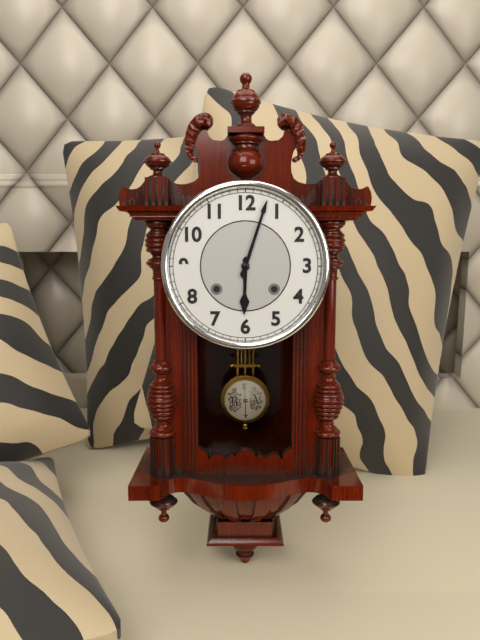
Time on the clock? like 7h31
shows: 6h03
